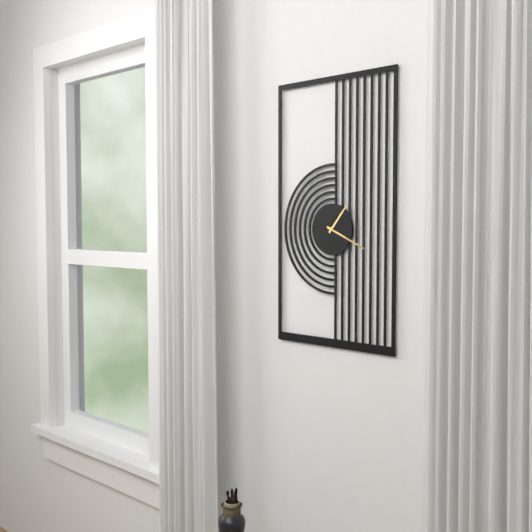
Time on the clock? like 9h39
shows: 1h19
